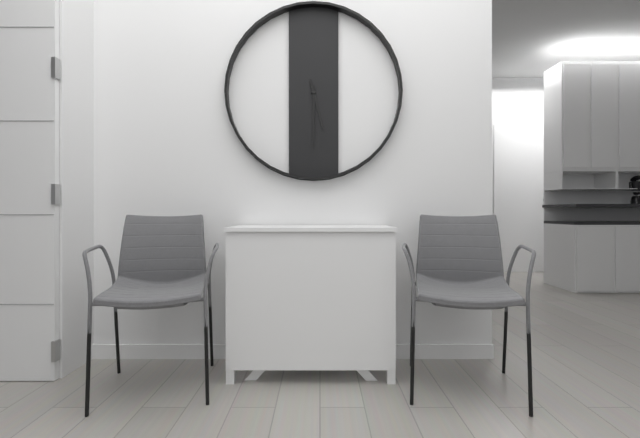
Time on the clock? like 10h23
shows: 5h30
